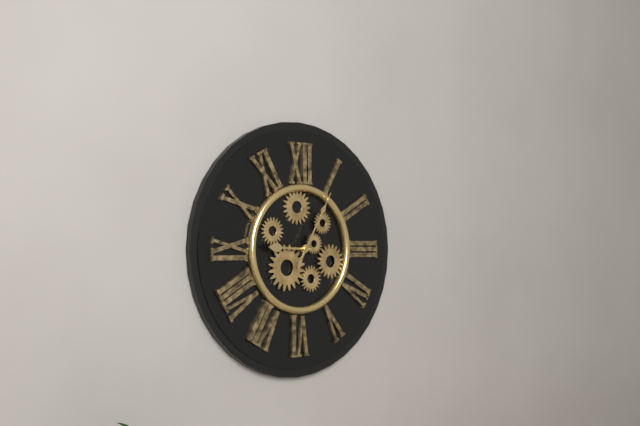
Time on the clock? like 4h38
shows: 9h05
